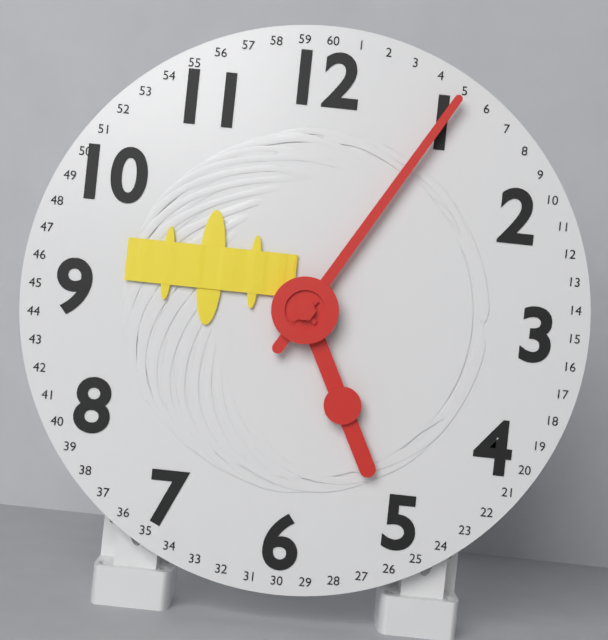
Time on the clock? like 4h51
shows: 5h05
